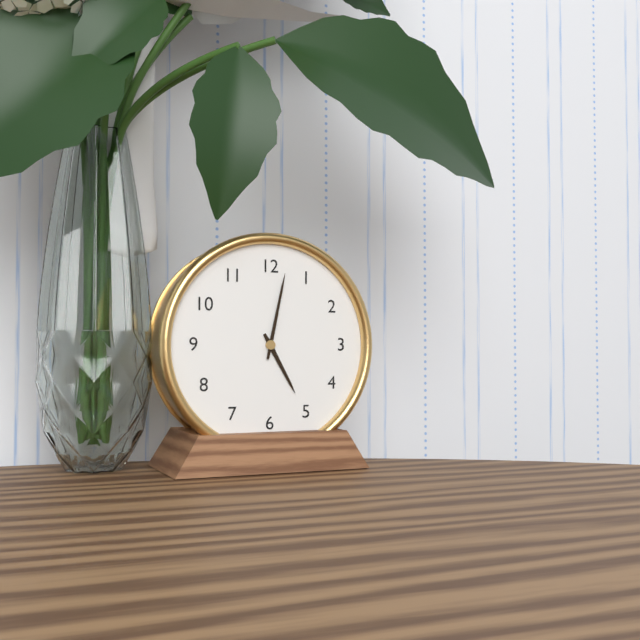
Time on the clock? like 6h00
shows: 5h02
